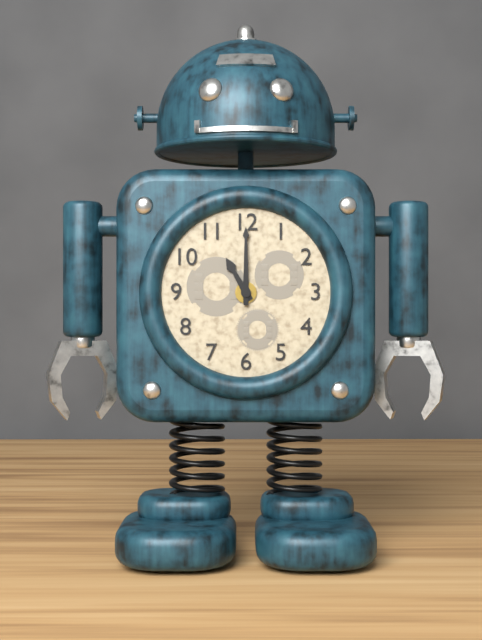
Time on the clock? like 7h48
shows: 11h00
